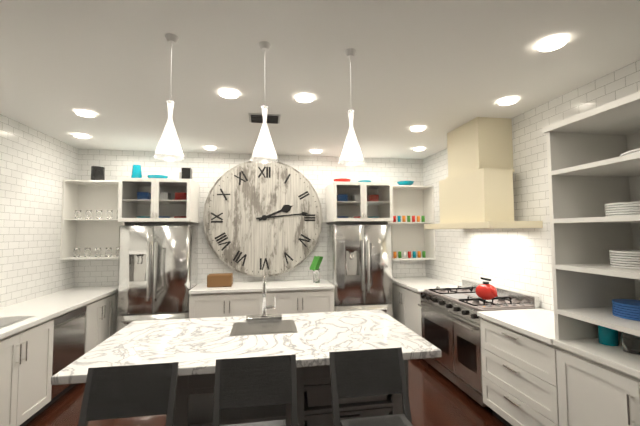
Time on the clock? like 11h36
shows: 2h14
